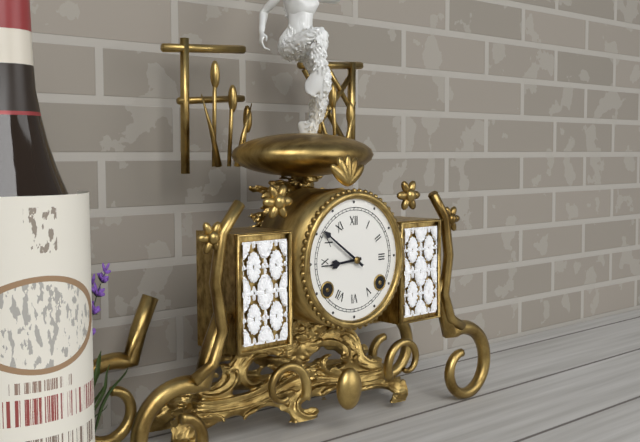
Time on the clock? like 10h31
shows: 8h51
